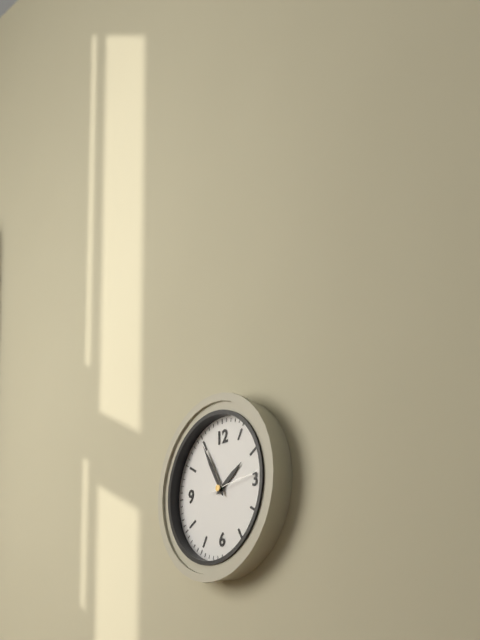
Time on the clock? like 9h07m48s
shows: 1h55m14s
